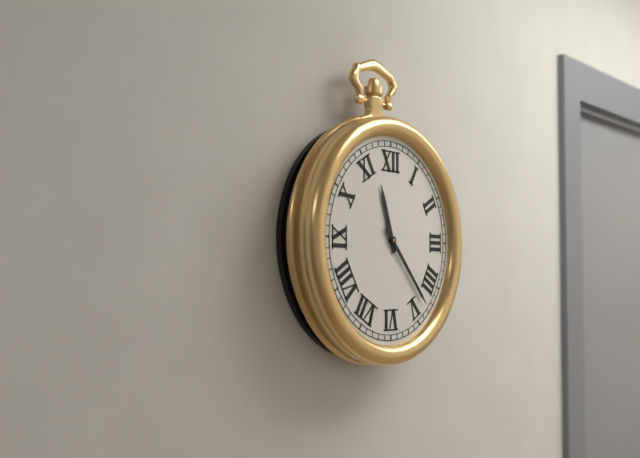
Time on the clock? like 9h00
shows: 11h23
